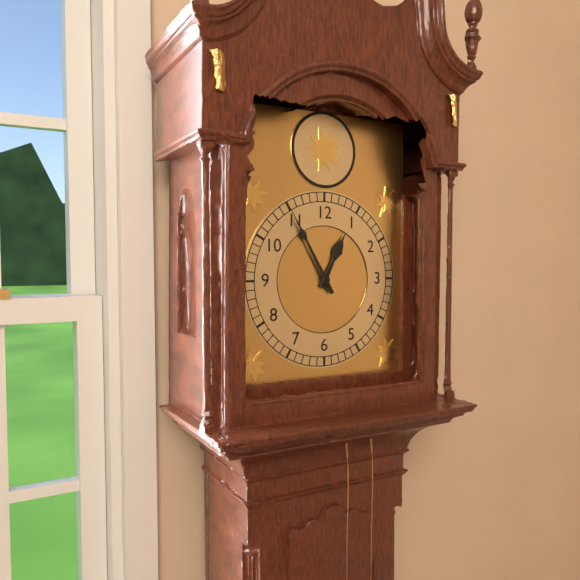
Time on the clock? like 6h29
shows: 12h55
